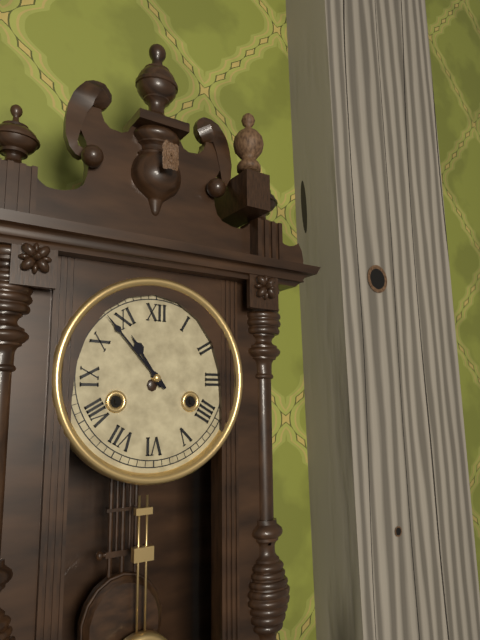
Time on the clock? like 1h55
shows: 10h53
